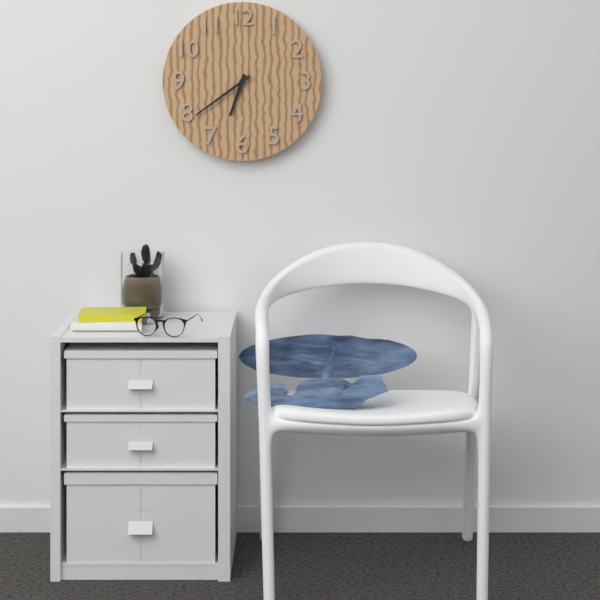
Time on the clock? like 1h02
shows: 6h39
